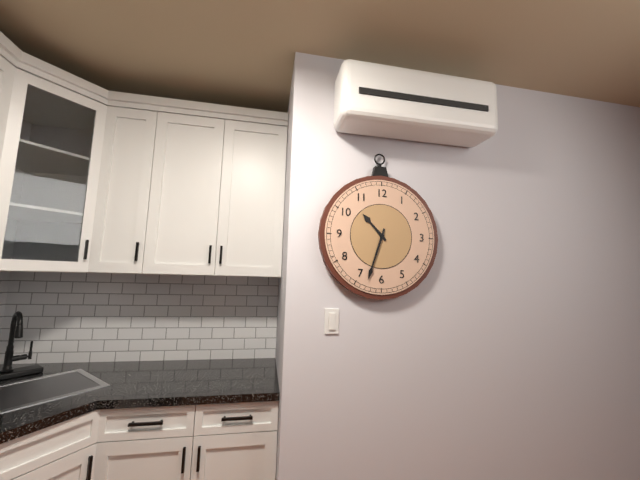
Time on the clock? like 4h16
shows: 10h33
